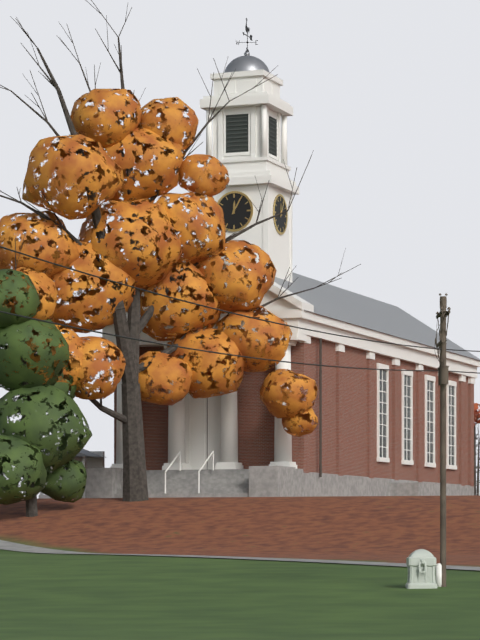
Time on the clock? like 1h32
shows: 12h05
